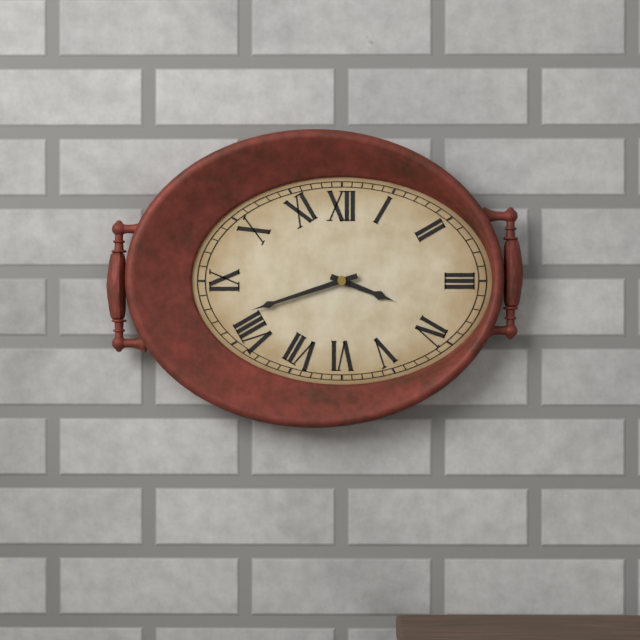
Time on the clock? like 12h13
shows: 3h42
